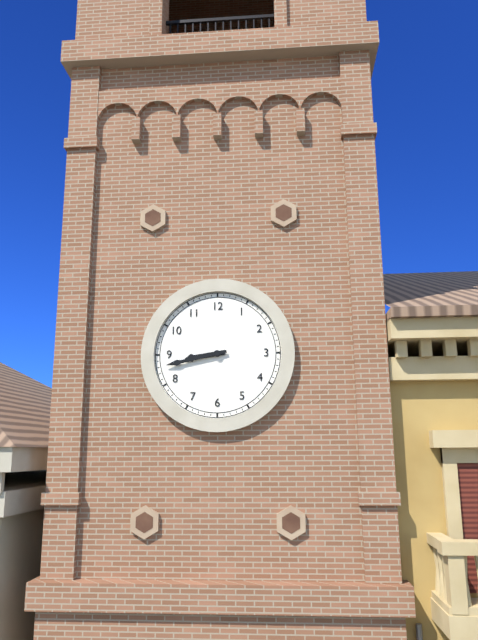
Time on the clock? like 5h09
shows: 8h43
